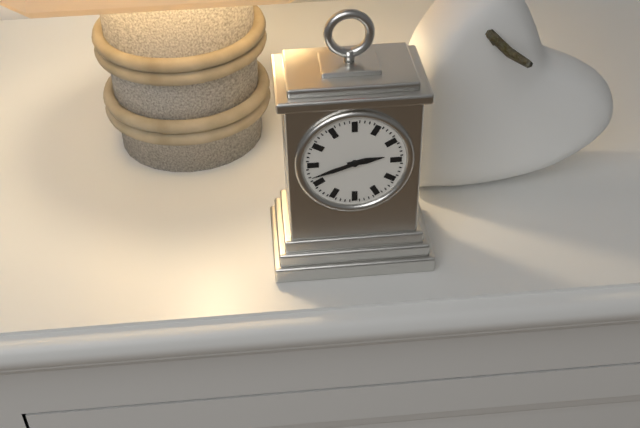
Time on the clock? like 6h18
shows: 2h42
